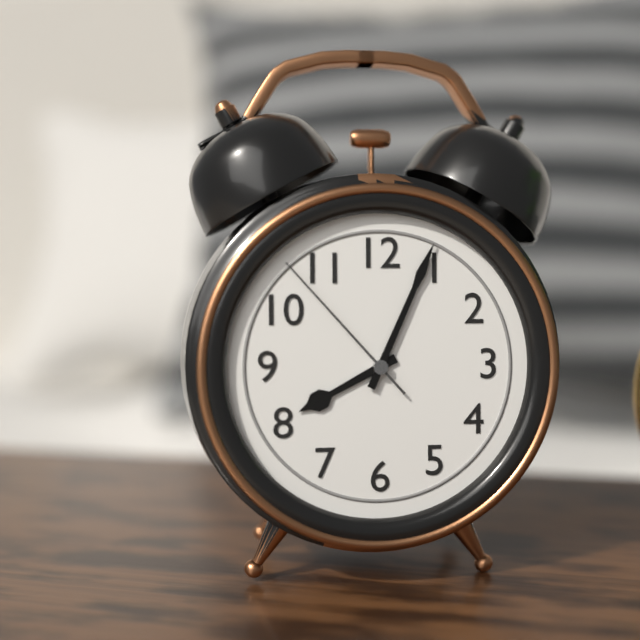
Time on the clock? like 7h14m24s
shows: 8h04m53s
